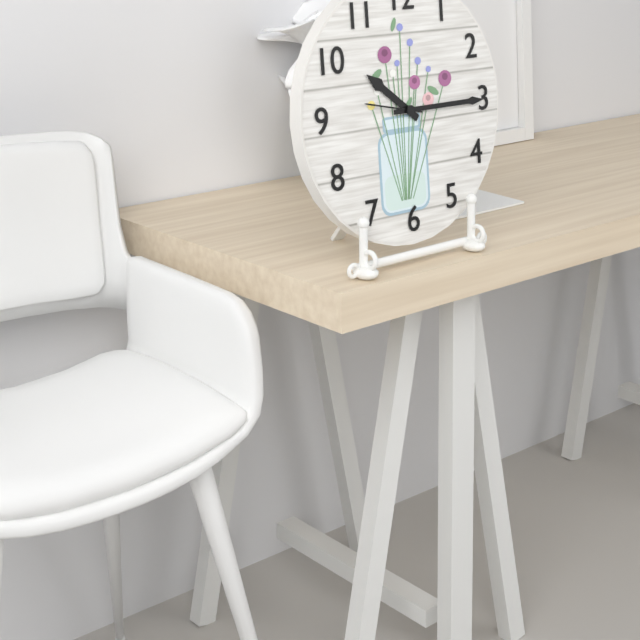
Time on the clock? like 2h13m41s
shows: 10h15m47s
